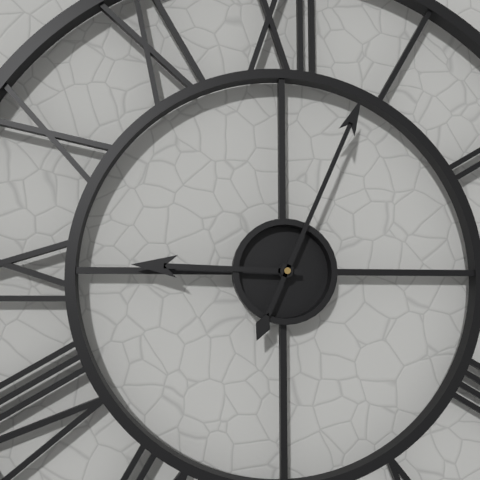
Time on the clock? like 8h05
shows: 9h04
